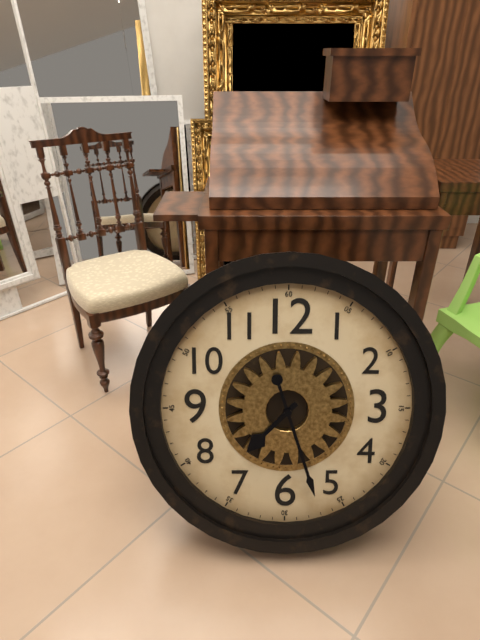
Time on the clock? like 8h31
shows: 7h27
